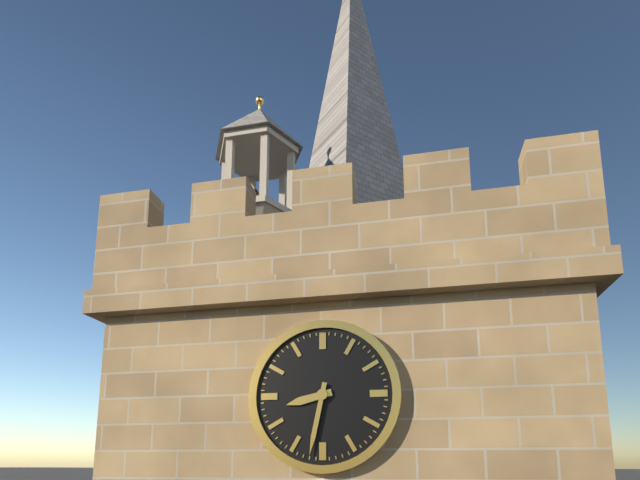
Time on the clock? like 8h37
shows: 8h32
